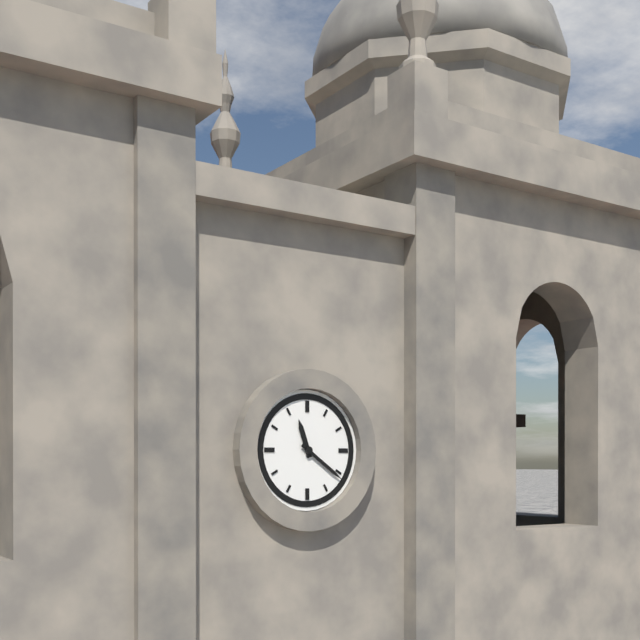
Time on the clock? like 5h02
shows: 11h21
